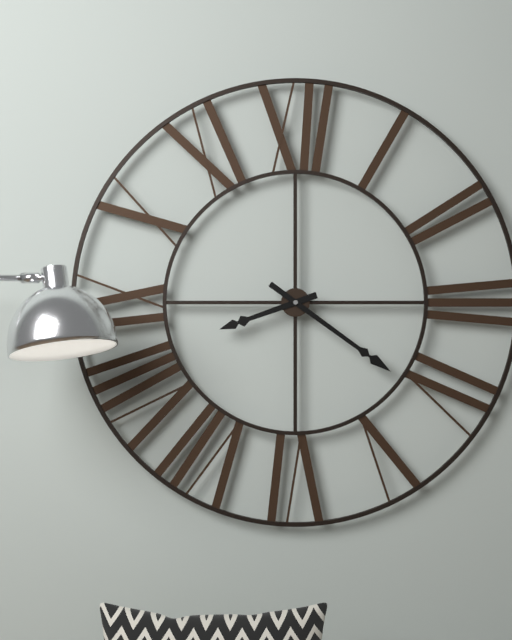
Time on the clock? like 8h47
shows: 8h21
